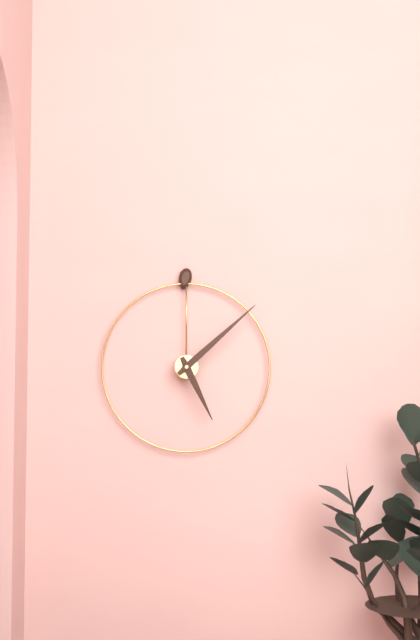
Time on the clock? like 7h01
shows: 5h08
